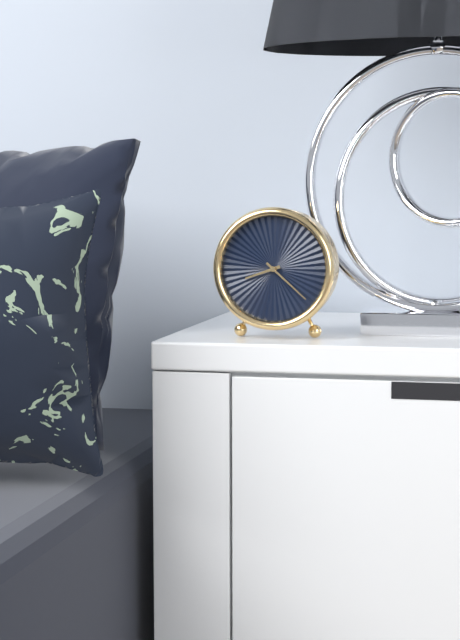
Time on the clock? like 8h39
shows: 8h22
